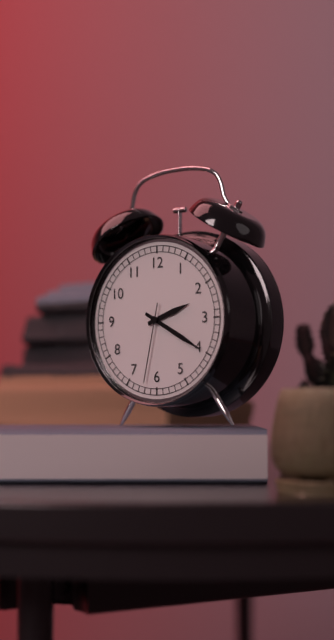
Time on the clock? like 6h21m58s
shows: 2h20m32s
